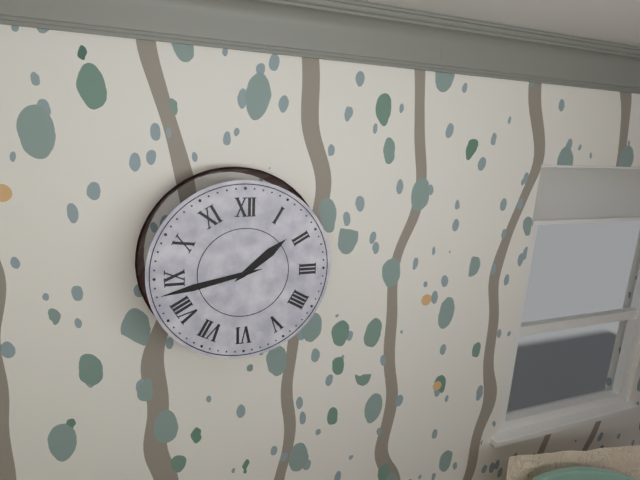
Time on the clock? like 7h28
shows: 1h43
